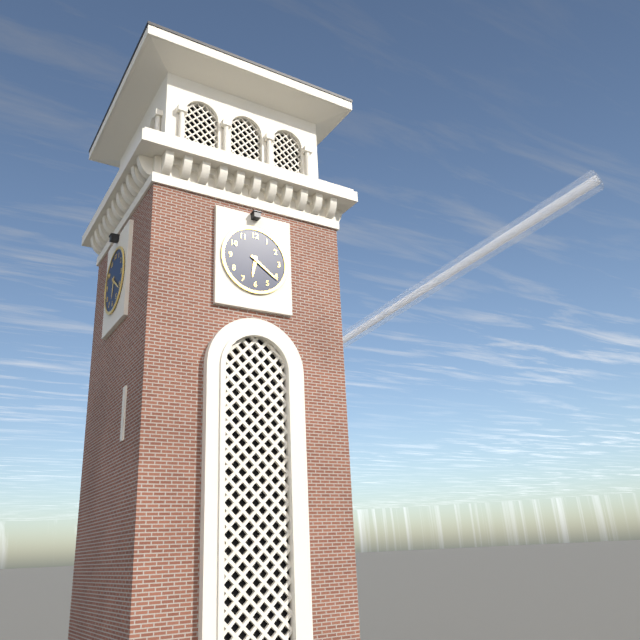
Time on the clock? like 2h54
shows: 6h21
